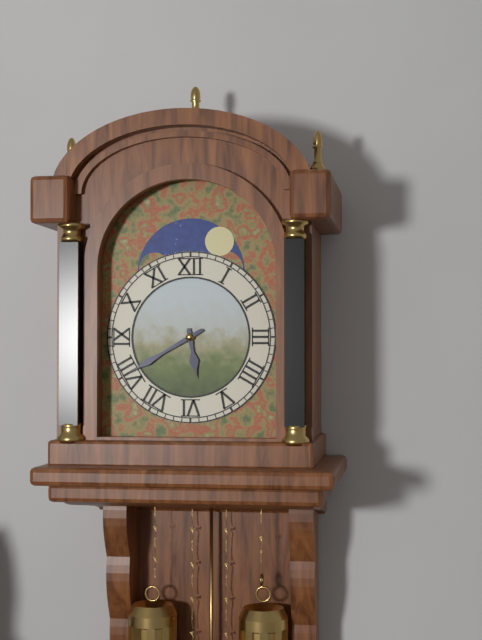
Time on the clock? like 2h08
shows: 5h40
